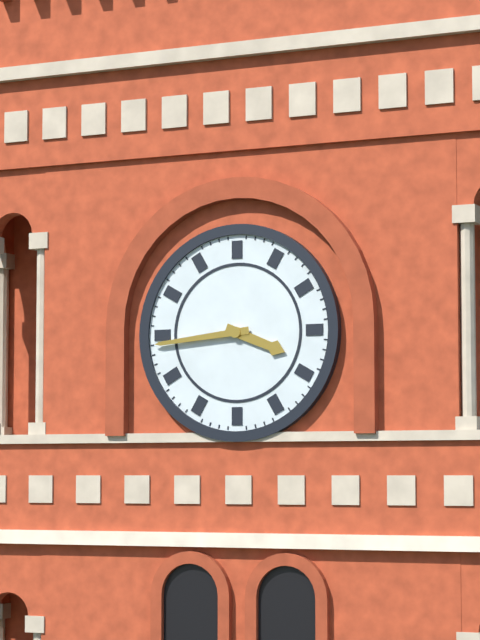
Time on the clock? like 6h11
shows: 3h44
